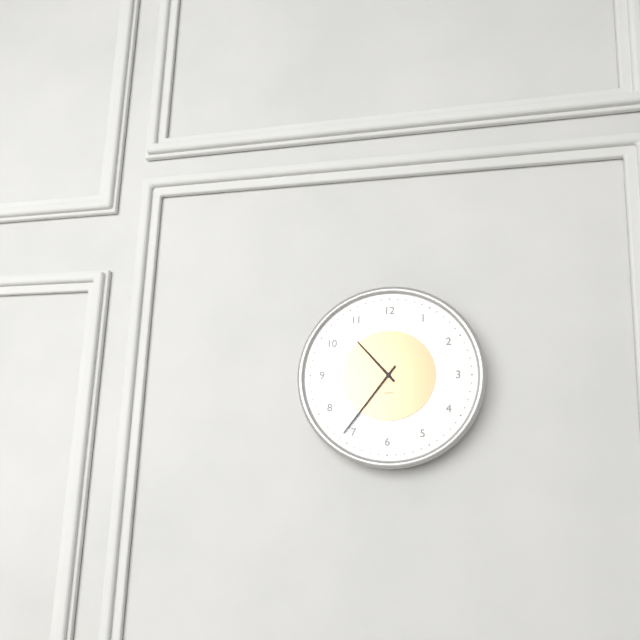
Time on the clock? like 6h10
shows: 10h36
